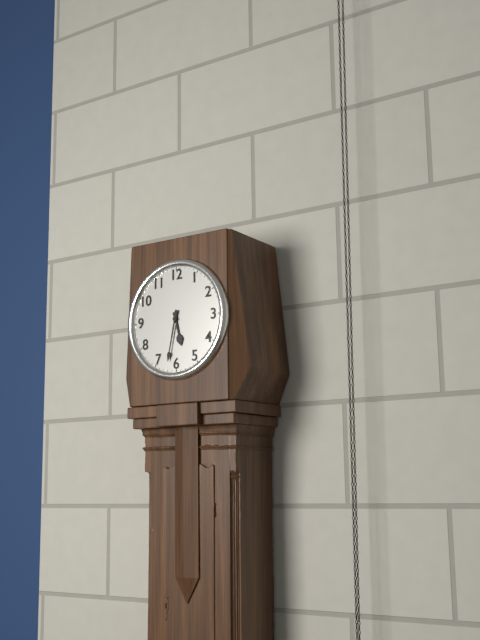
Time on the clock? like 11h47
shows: 5h32
